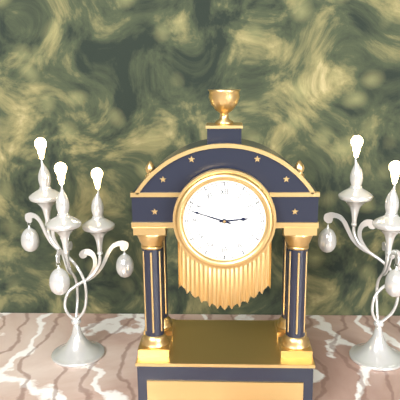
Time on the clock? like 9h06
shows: 2h48
